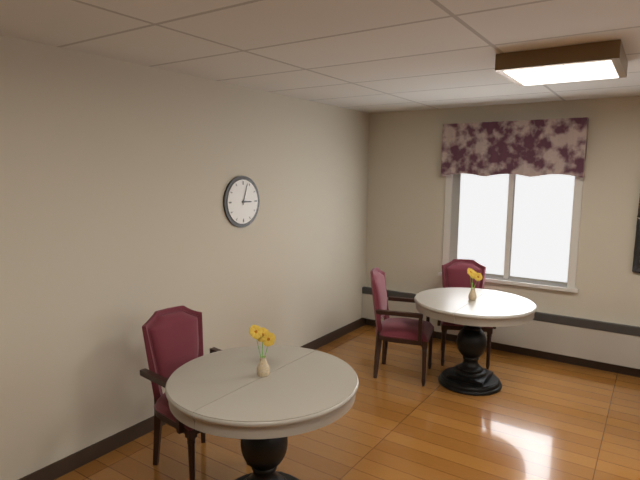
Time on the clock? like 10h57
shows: 3h03
